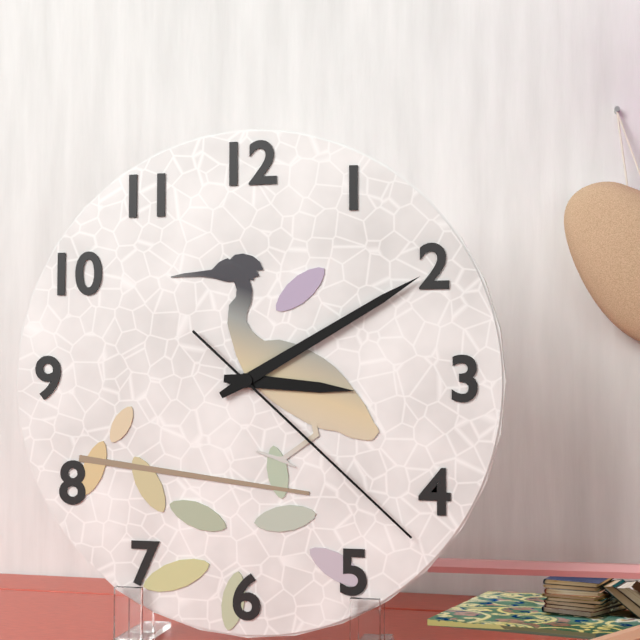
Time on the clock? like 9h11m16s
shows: 3h10m22s
